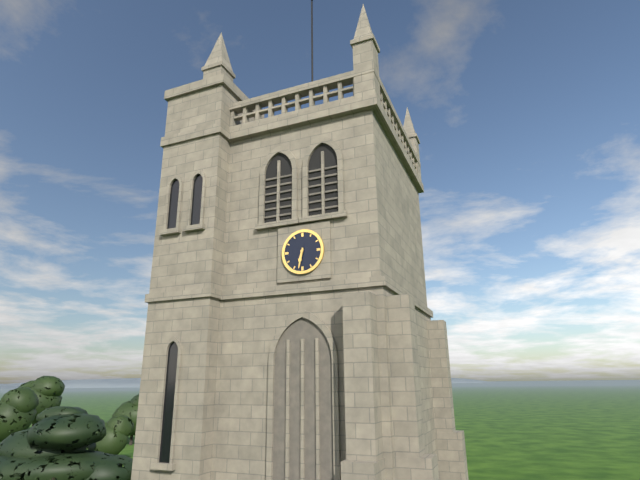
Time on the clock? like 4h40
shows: 6h32
